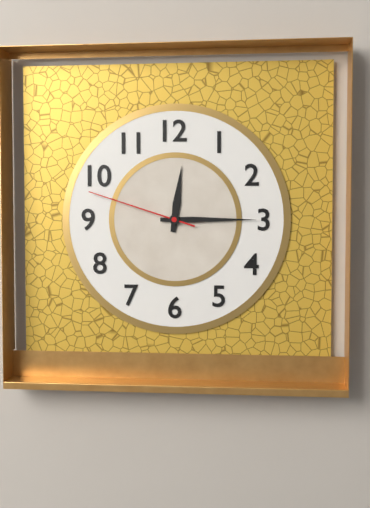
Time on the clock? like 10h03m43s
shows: 12h15m48s
